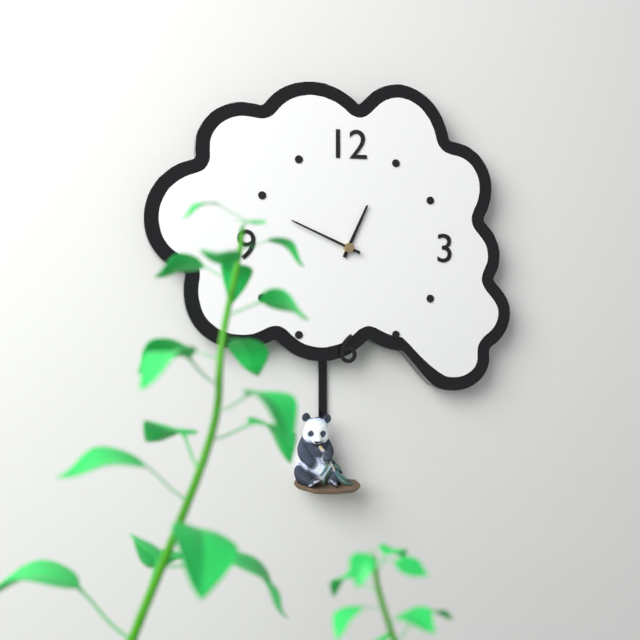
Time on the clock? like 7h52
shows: 12h49
